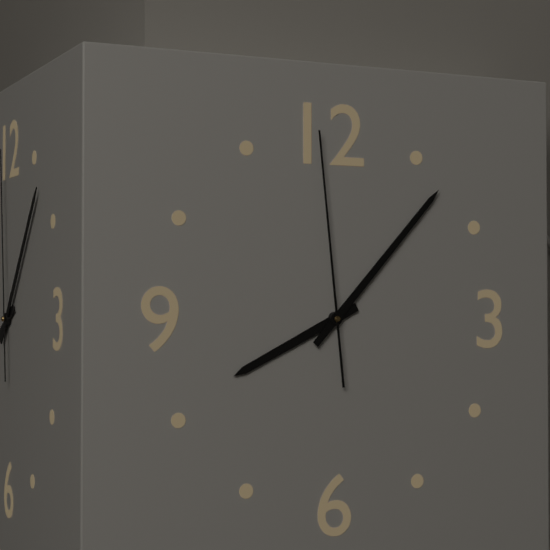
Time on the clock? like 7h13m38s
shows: 8h07m59s
